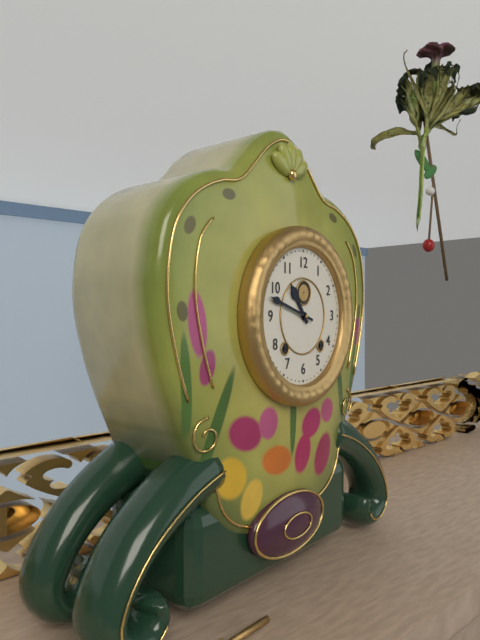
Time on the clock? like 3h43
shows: 10h48
